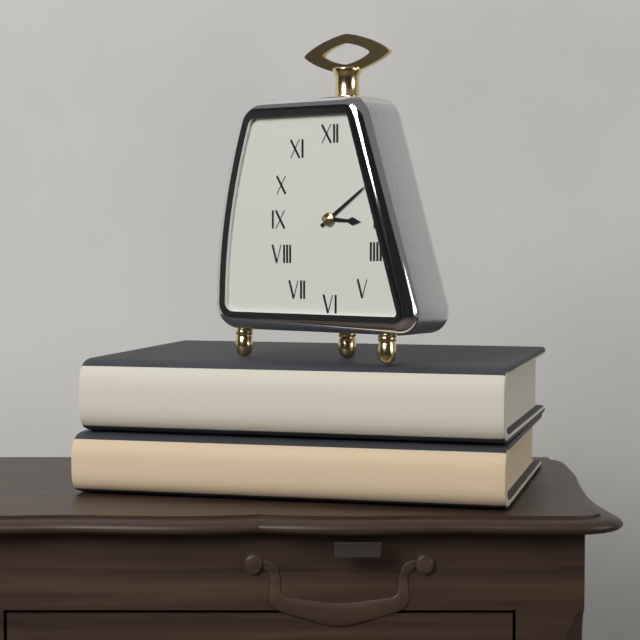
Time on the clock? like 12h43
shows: 3h09
